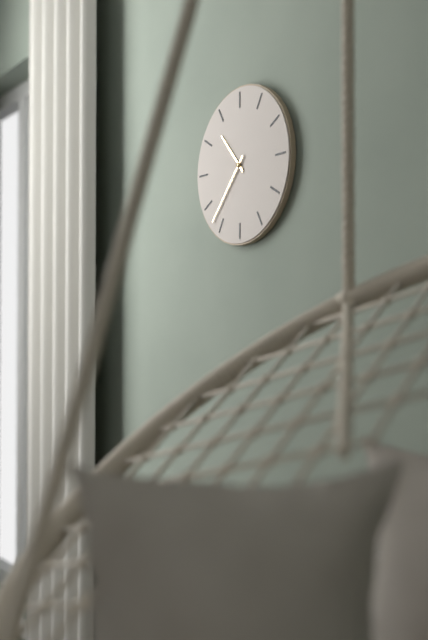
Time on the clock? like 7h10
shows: 10h37
